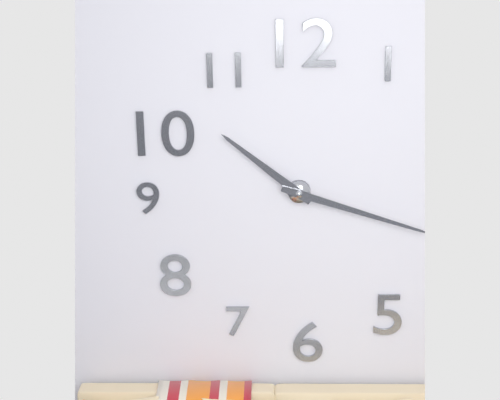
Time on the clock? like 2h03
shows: 10h18
